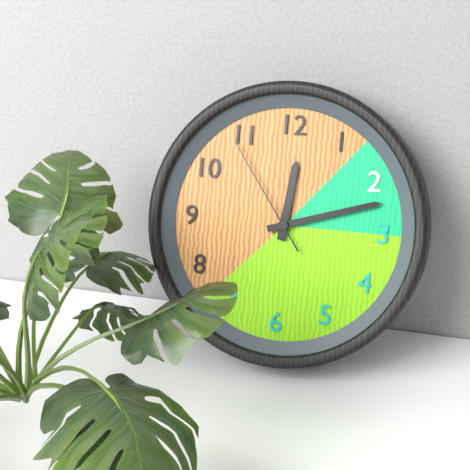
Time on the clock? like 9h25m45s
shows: 12h12m54s
